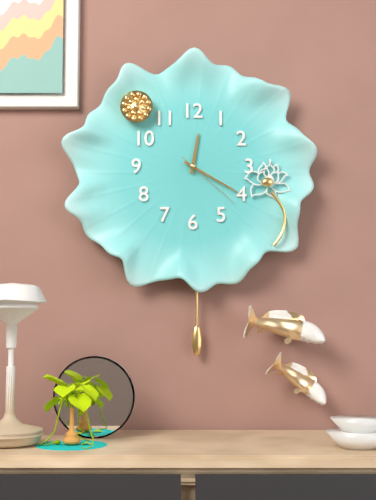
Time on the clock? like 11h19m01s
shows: 12h20m22s
